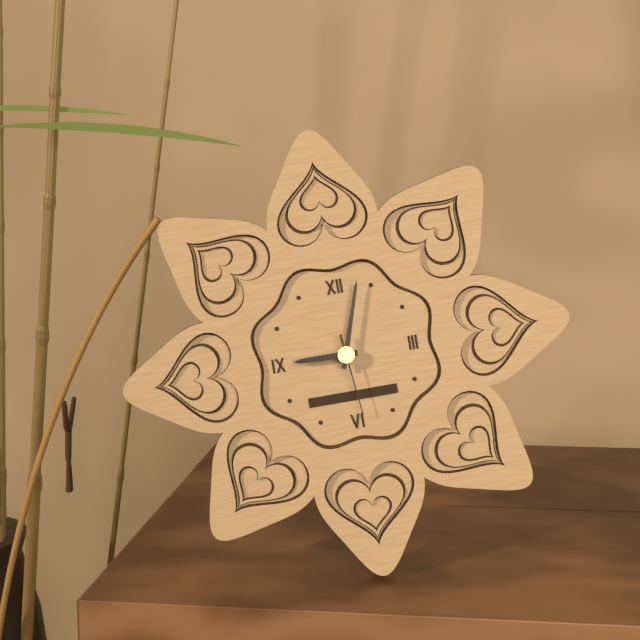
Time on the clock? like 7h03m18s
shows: 9h03m29s
